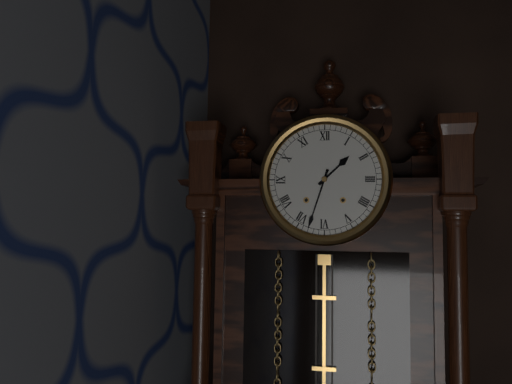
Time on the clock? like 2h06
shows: 1h33
